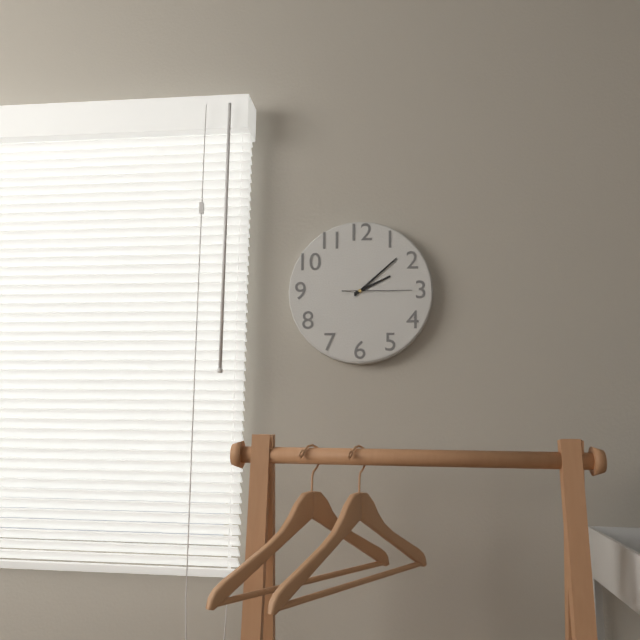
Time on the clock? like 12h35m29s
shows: 2h08m15s
